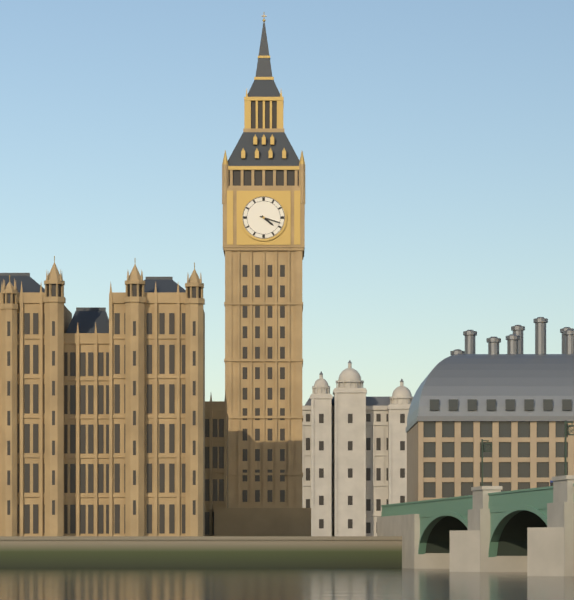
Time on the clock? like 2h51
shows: 4h18
